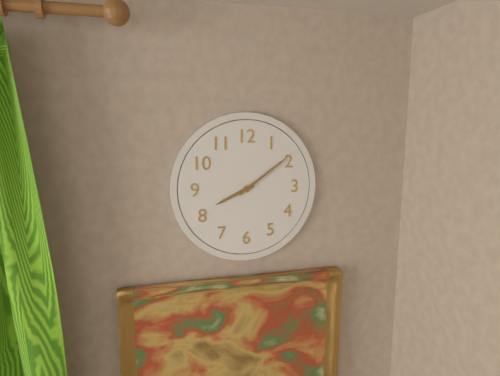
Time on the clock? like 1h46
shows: 8h09
